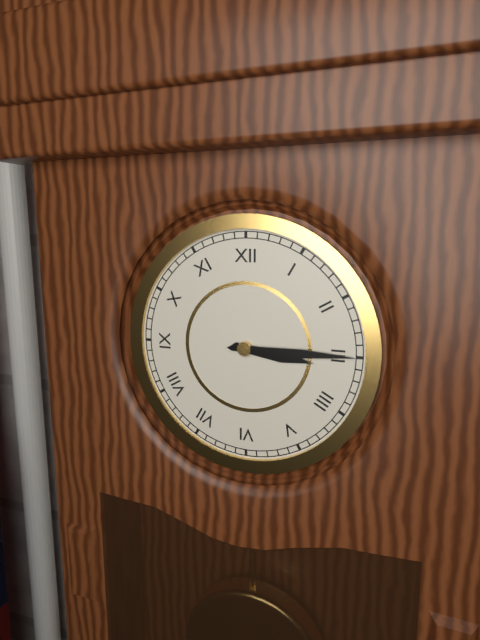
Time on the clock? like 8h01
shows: 3h15
